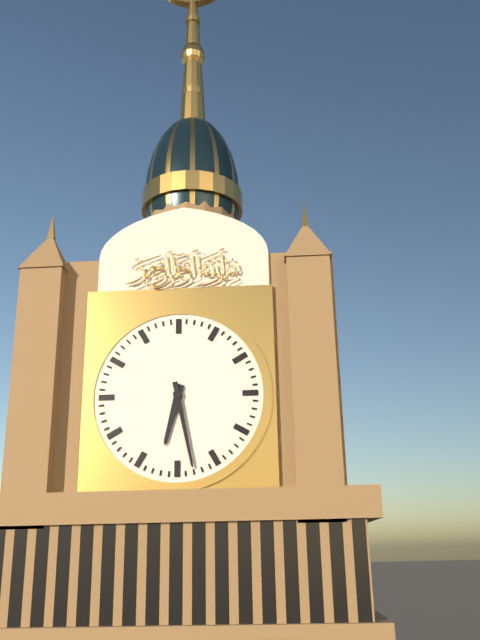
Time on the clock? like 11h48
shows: 6h28
